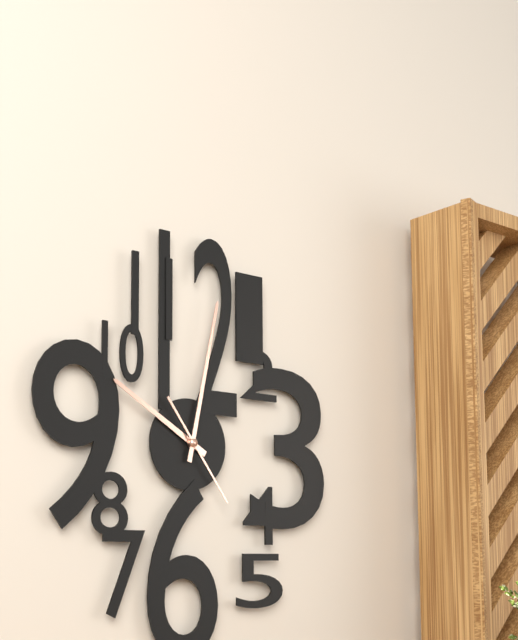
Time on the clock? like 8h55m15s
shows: 10h02m24s
